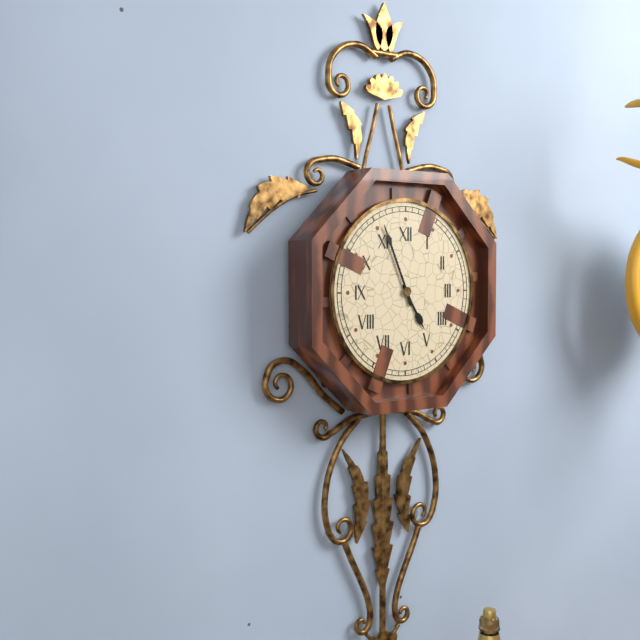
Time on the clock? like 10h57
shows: 4h56
